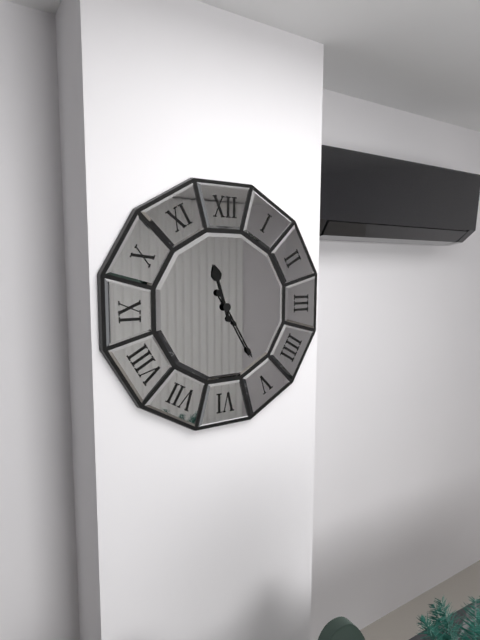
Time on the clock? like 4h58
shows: 11h25
